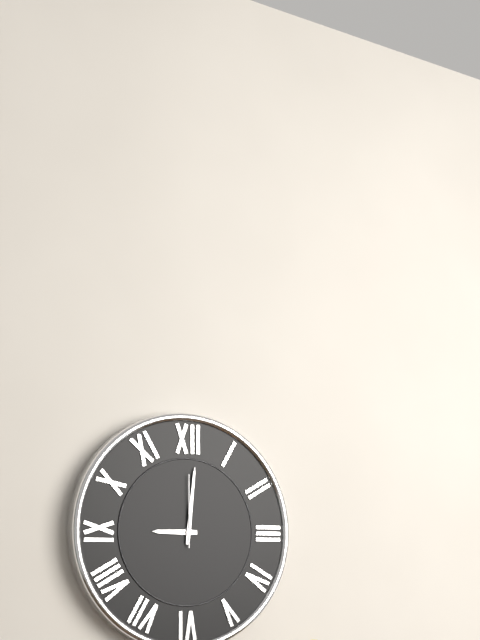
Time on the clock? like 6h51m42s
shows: 9h01m00s
